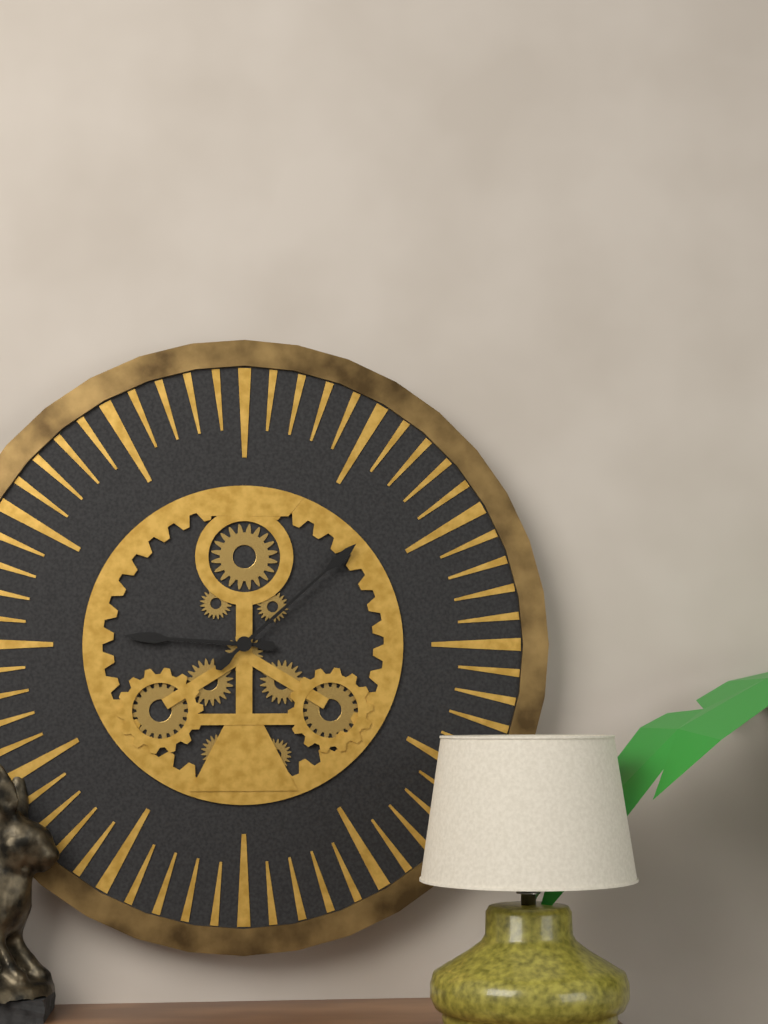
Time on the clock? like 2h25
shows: 9h08
